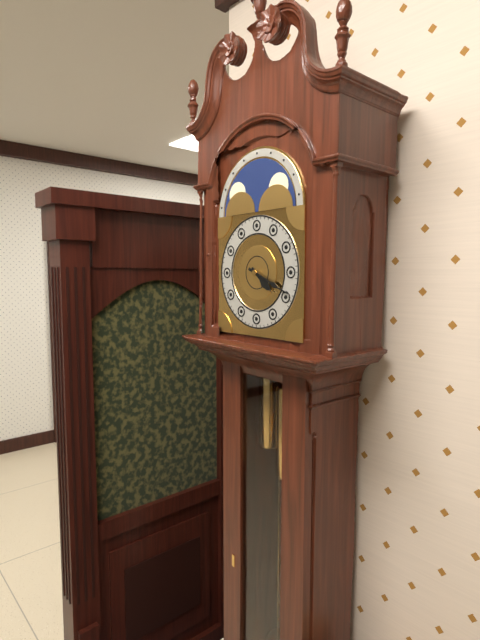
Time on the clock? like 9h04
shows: 4h19
